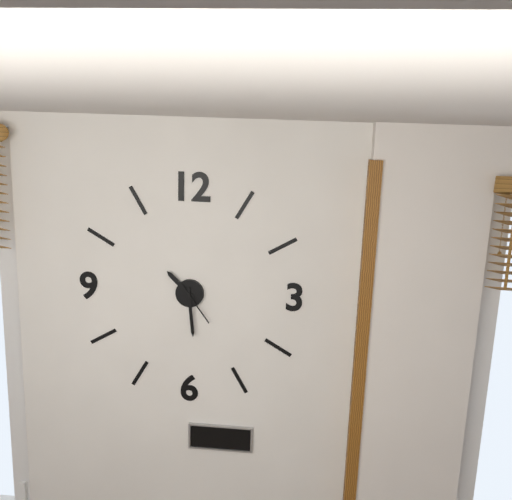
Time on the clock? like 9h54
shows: 10h29
